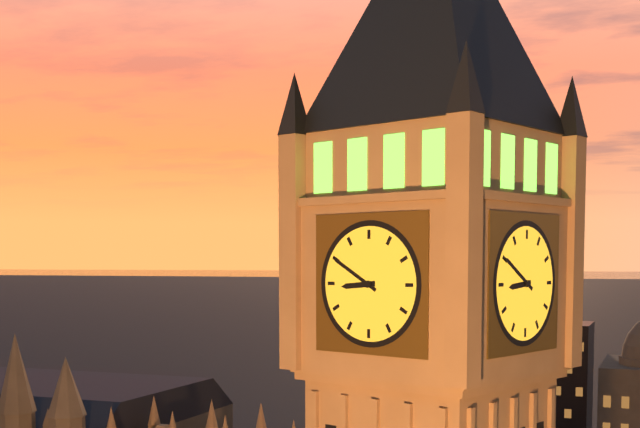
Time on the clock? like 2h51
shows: 8h50
